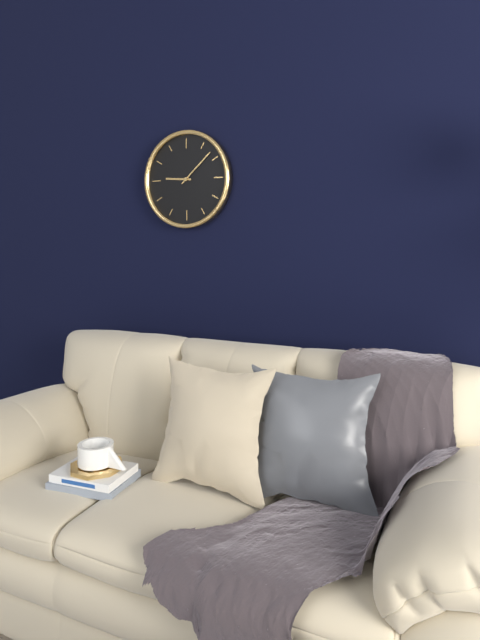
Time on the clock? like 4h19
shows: 9h08
